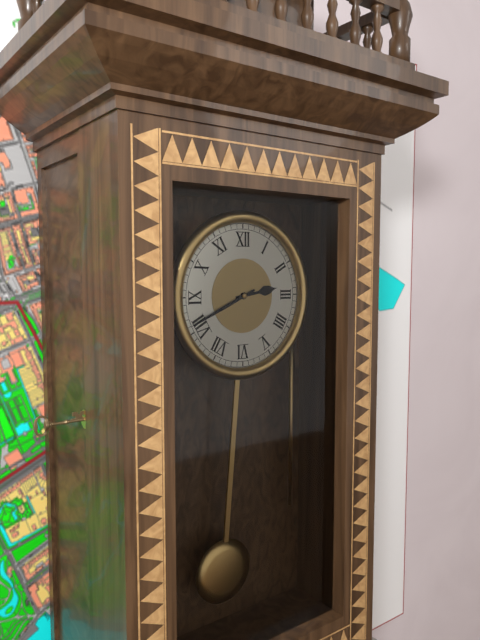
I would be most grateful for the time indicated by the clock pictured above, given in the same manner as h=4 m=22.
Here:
h=2 m=41
